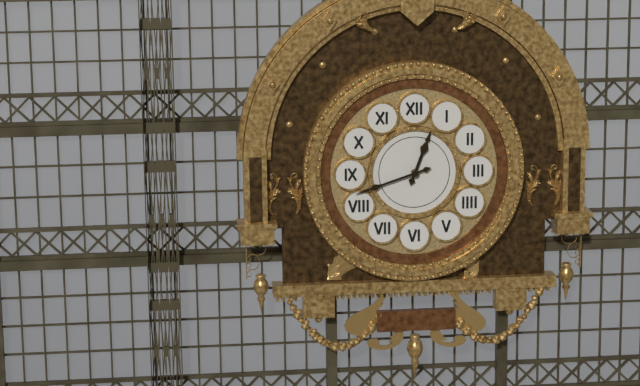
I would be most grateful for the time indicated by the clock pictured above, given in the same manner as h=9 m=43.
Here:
h=12 m=42
